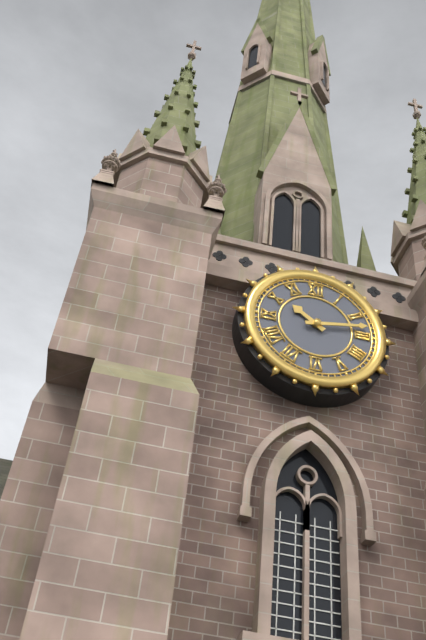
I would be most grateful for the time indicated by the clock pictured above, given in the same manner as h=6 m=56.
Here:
h=10 m=13
